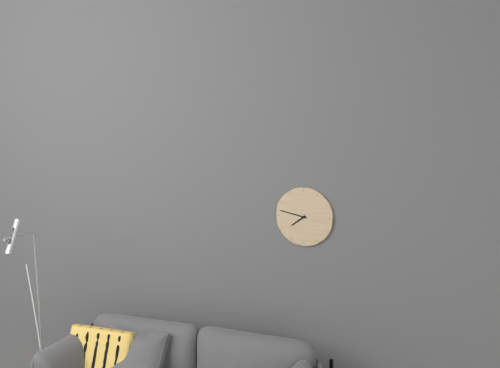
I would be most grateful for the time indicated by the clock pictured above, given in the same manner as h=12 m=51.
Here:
h=7 m=47
